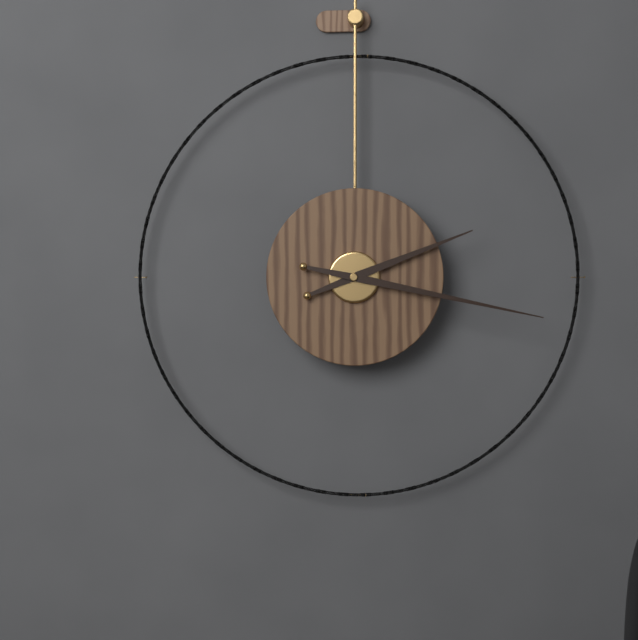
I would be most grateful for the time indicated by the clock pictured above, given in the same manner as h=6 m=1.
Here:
h=2 m=17
